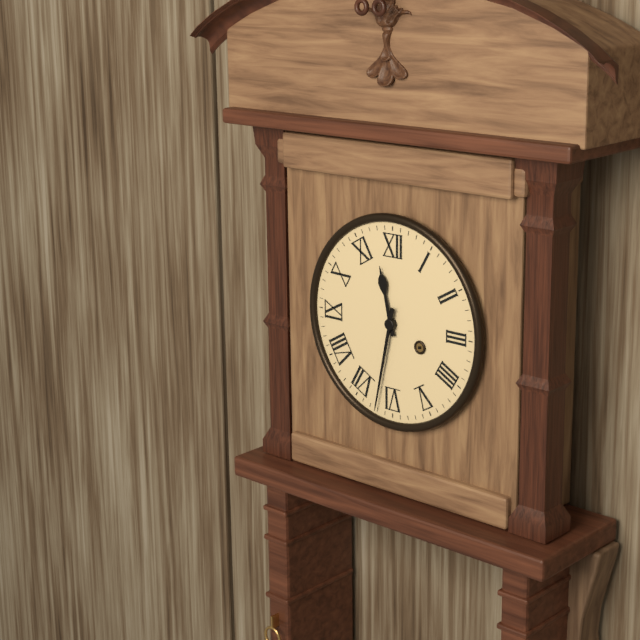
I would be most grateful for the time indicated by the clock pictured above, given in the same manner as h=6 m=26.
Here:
h=11 m=32
